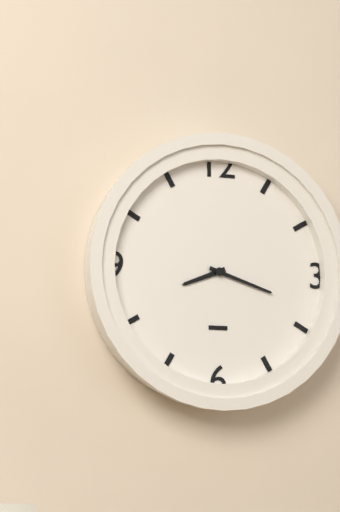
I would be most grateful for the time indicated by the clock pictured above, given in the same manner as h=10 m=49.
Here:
h=8 m=18
